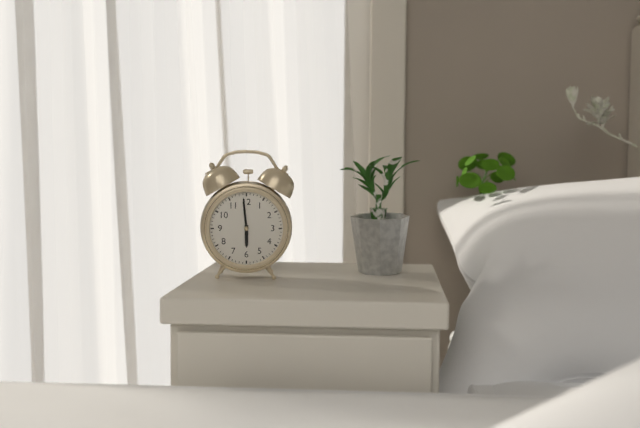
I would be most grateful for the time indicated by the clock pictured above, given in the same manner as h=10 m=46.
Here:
h=5 m=59
